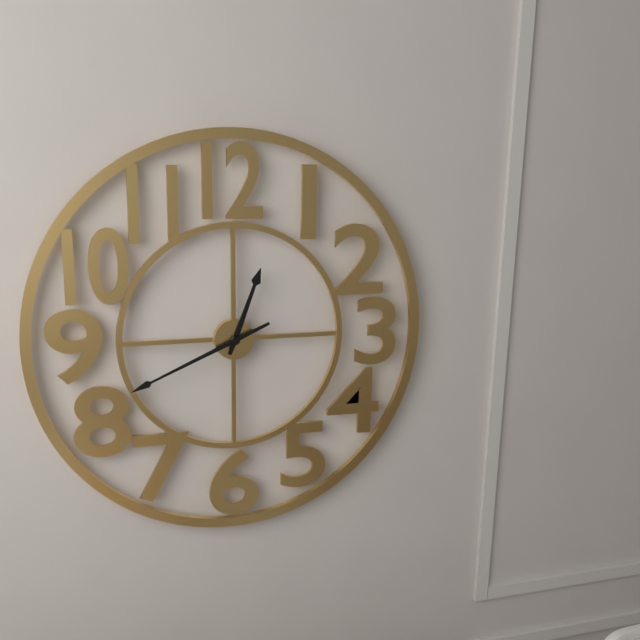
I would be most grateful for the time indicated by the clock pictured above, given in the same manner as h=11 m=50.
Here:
h=12 m=41
